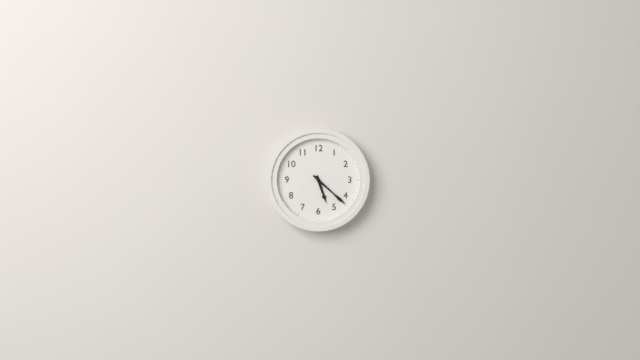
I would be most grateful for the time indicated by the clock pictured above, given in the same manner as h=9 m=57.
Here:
h=5 m=22
